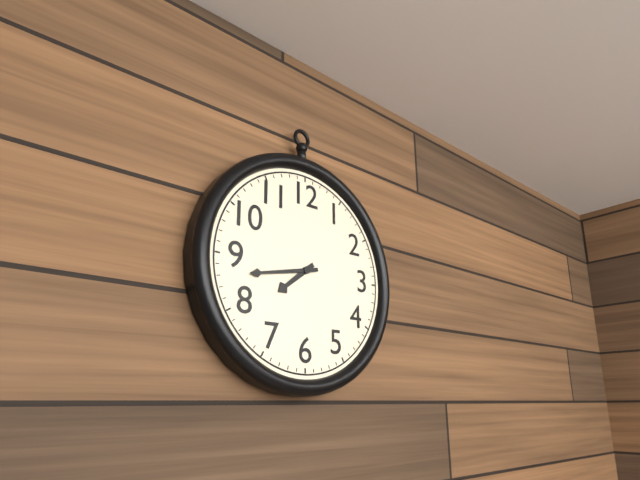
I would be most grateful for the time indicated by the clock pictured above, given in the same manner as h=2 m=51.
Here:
h=7 m=43
